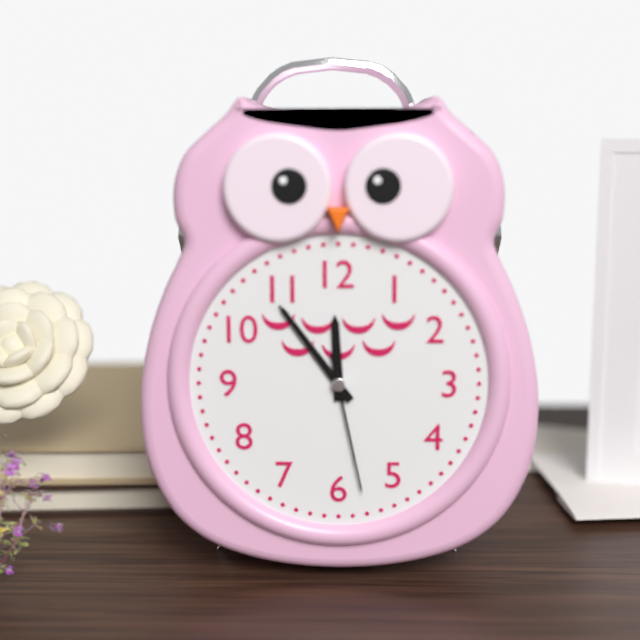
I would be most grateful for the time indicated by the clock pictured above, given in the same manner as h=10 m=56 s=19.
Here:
h=11 m=54 s=28
